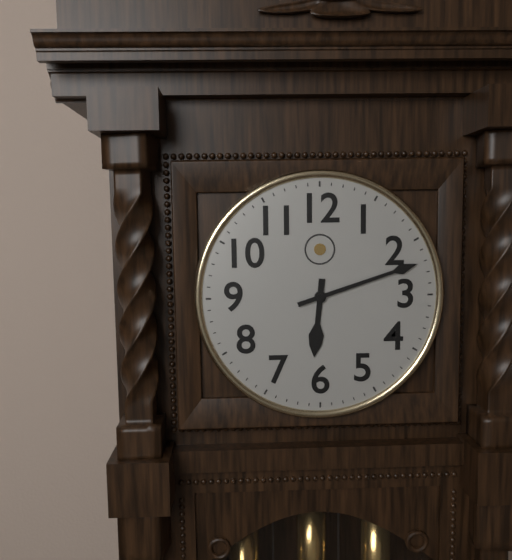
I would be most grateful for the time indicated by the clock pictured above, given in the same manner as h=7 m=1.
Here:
h=6 m=12
